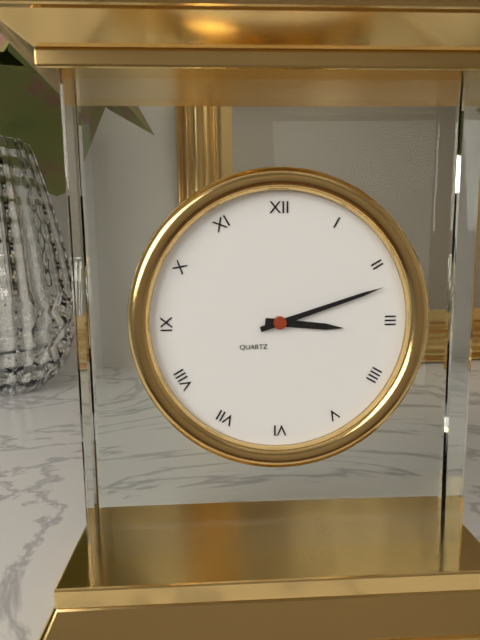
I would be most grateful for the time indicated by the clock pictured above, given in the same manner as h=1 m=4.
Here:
h=3 m=12
